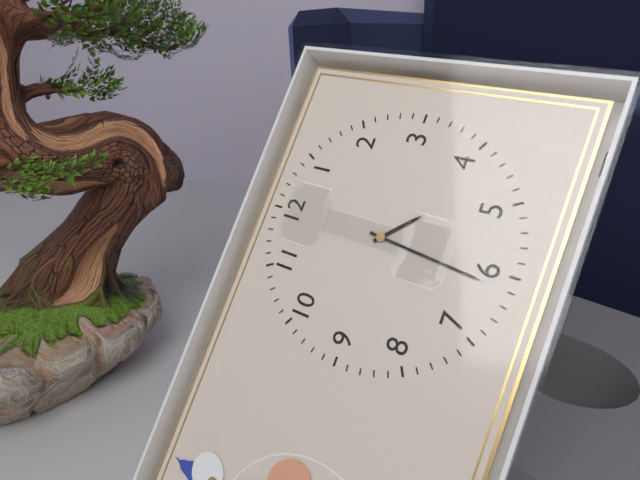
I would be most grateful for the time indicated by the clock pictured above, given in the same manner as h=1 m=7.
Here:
h=4 m=31
